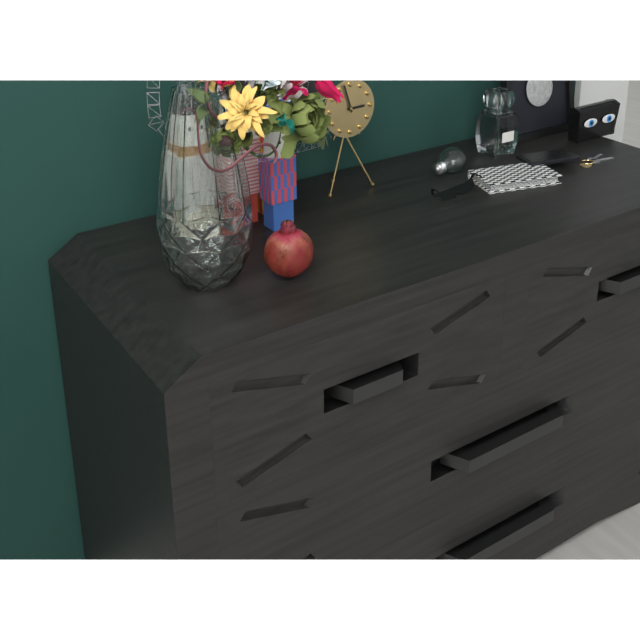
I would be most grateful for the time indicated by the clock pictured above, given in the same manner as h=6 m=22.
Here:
h=2 m=57
